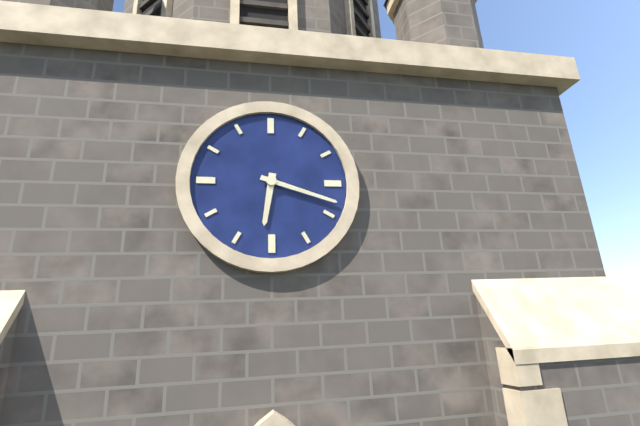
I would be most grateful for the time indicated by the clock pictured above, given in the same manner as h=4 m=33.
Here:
h=6 m=18
